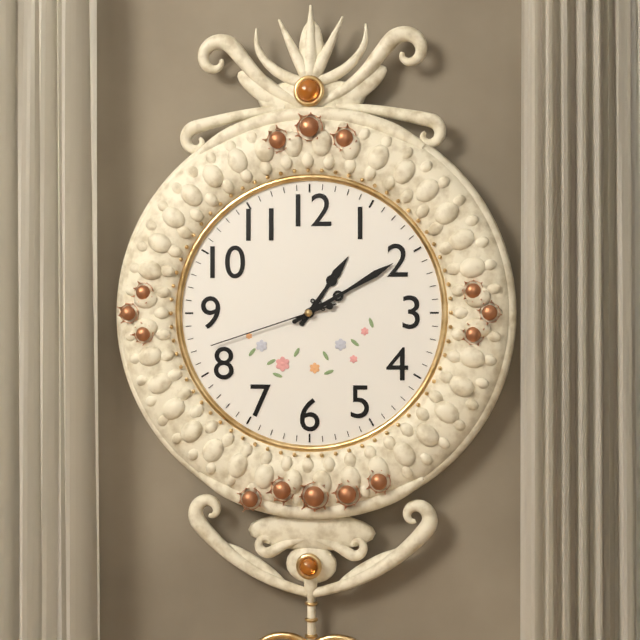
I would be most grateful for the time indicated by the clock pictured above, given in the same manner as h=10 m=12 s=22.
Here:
h=1 m=10 s=42
